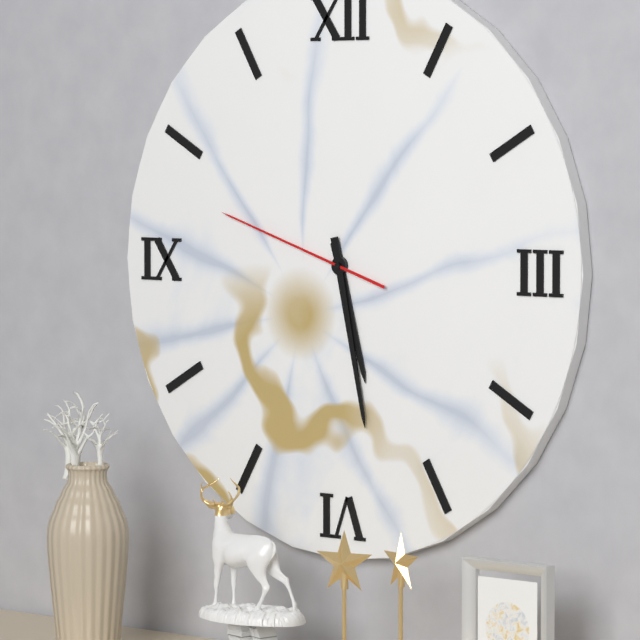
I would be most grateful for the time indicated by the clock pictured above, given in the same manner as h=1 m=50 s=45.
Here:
h=5 m=28 s=48
